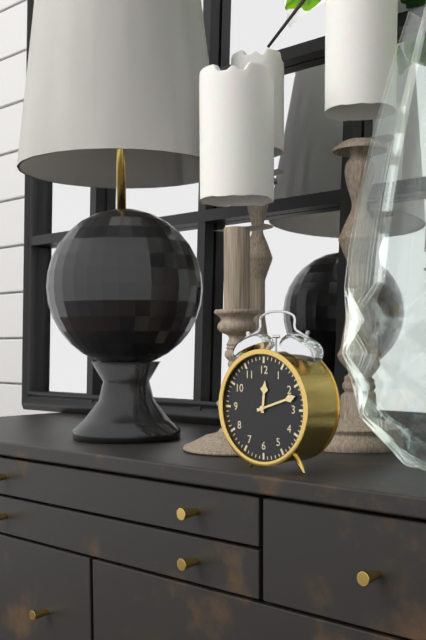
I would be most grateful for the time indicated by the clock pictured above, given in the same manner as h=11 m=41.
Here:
h=12 m=12
